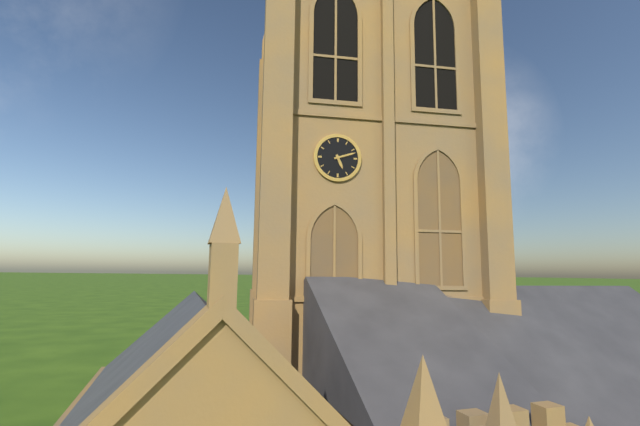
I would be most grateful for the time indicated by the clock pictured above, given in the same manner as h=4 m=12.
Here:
h=5 m=12
